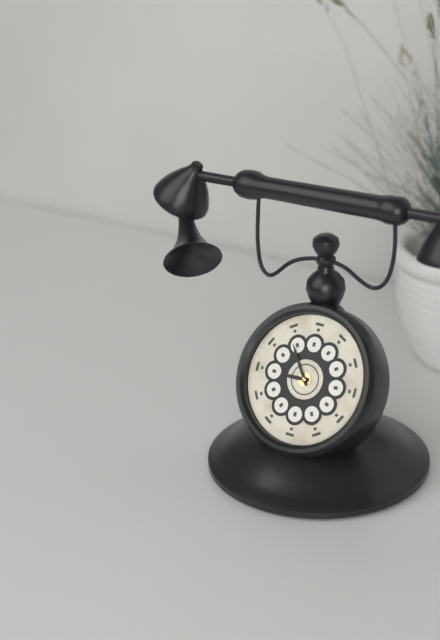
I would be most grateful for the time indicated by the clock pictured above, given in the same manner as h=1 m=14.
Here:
h=8 m=54
